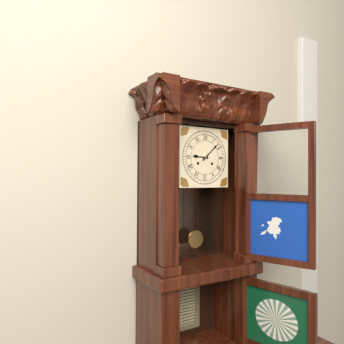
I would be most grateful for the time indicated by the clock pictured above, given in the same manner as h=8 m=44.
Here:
h=9 m=8
